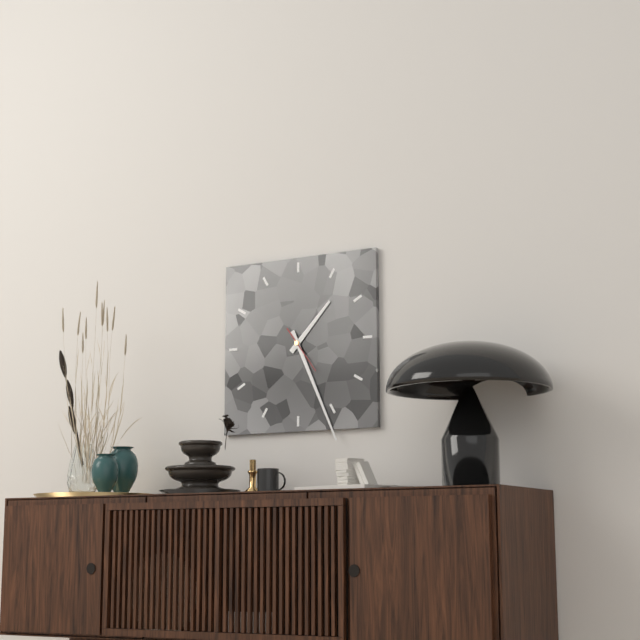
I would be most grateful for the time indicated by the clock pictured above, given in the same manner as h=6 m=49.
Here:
h=1 m=26
